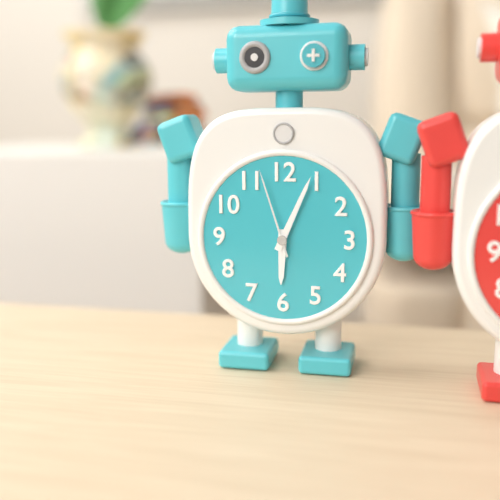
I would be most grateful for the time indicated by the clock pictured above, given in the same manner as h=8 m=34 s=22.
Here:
h=6 m=4 s=57
